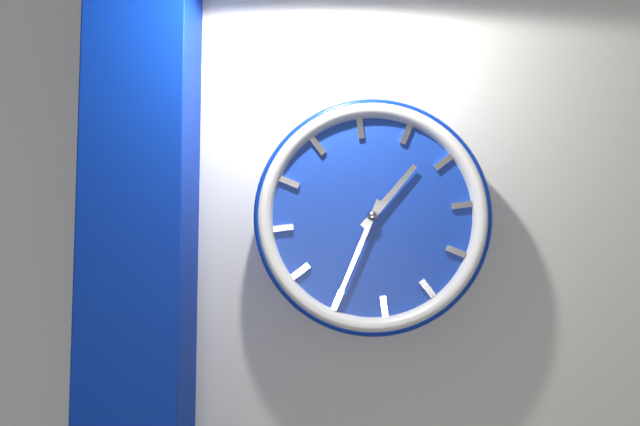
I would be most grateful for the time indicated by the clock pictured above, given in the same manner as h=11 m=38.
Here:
h=1 m=35
